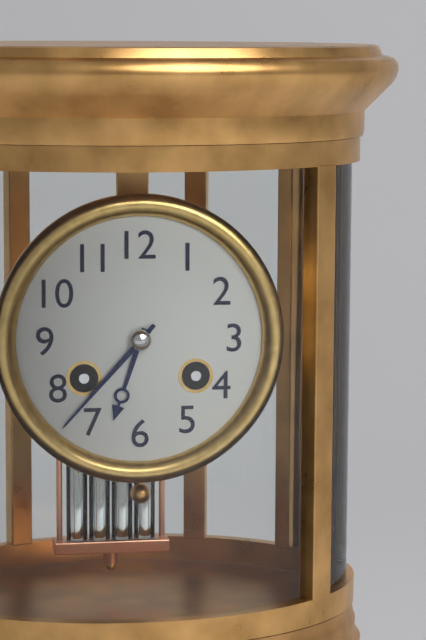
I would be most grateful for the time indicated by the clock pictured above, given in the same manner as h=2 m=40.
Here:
h=6 m=37
